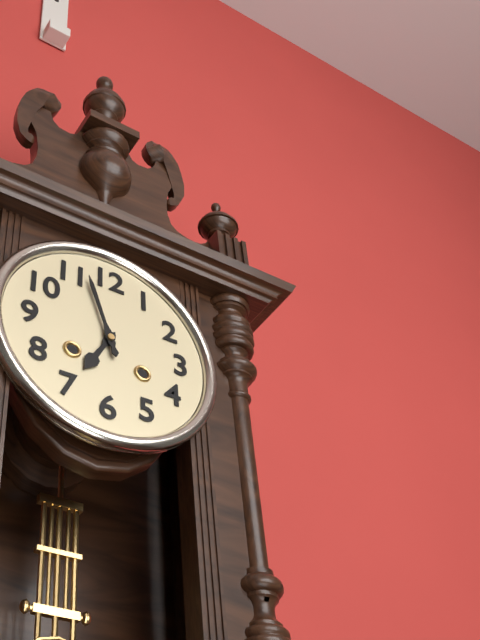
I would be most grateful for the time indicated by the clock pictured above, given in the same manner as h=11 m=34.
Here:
h=6 m=57
